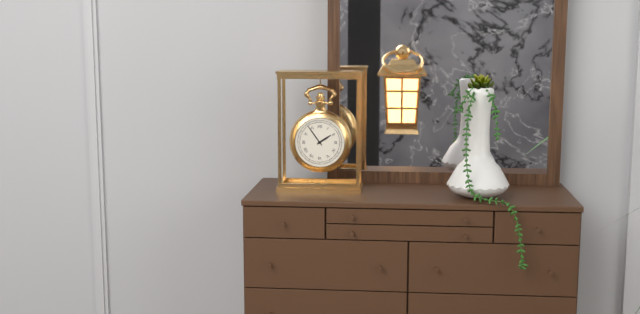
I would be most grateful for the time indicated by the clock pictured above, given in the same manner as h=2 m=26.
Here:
h=1 m=54
